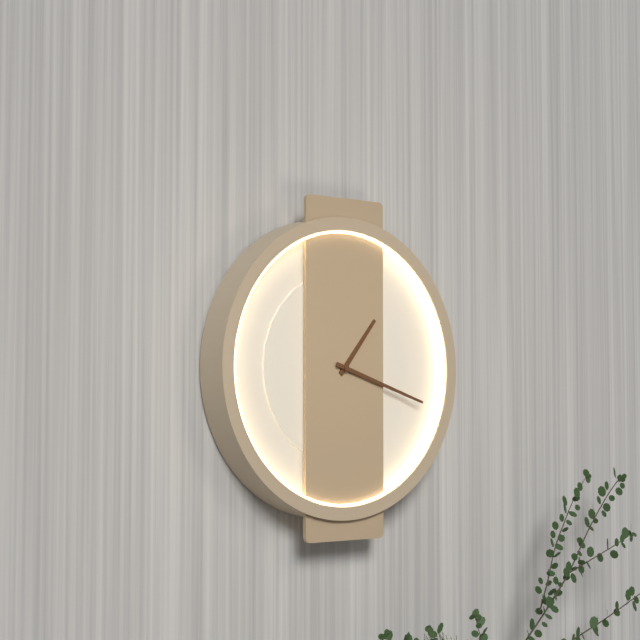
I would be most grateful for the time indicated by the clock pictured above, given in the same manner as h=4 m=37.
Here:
h=1 m=18
